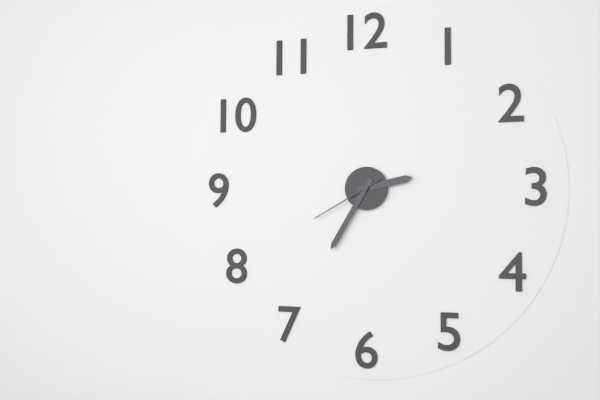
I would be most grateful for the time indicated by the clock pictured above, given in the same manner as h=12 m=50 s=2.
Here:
h=2 m=35 s=40
